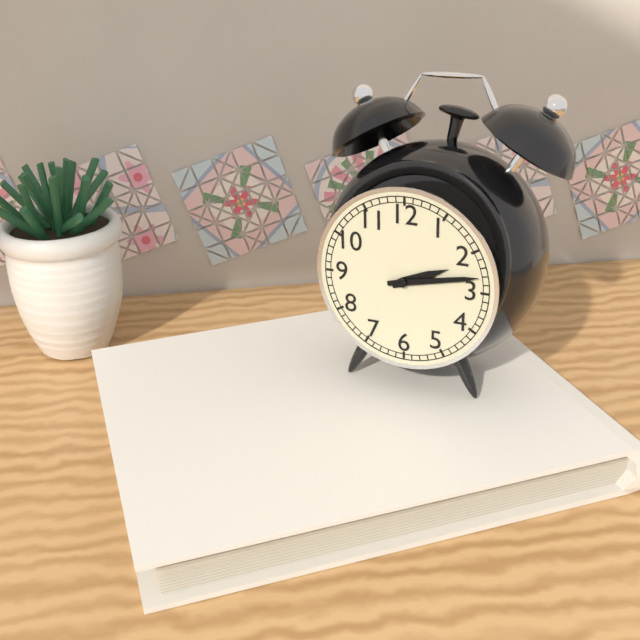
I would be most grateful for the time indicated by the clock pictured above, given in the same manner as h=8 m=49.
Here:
h=2 m=13
